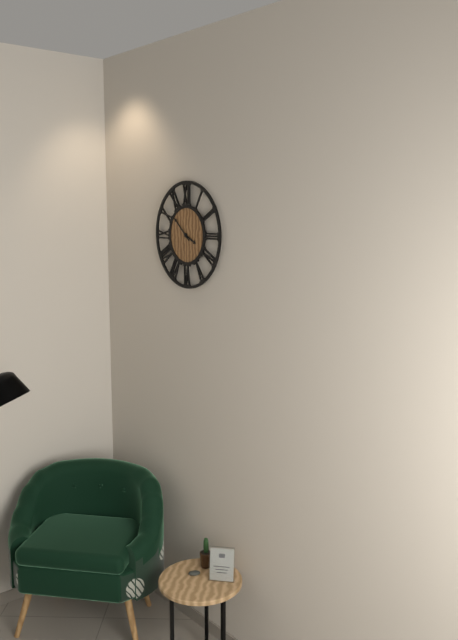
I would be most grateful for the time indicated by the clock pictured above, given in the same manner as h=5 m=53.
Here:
h=3 m=52
